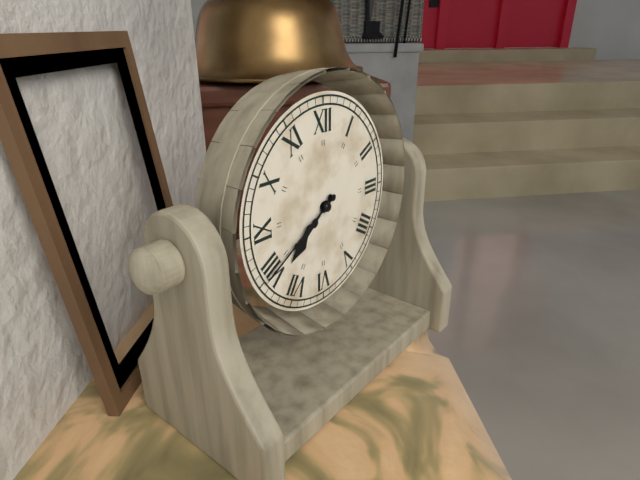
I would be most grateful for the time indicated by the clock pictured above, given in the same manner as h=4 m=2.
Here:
h=7 m=40
